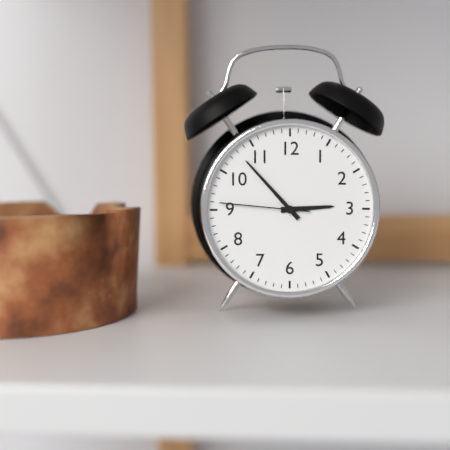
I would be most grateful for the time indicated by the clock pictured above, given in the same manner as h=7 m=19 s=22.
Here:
h=2 m=53 s=46
